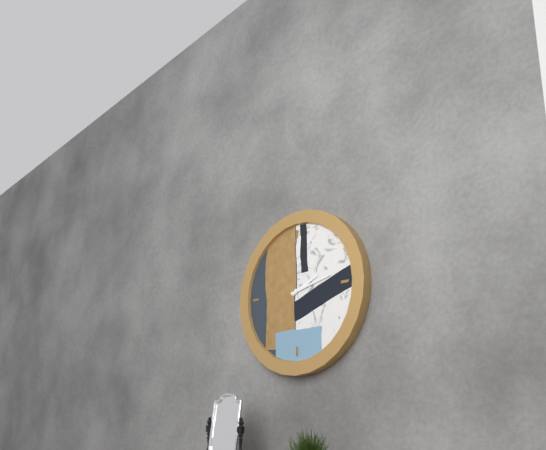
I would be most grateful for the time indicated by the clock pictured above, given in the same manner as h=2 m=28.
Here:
h=2 m=13
